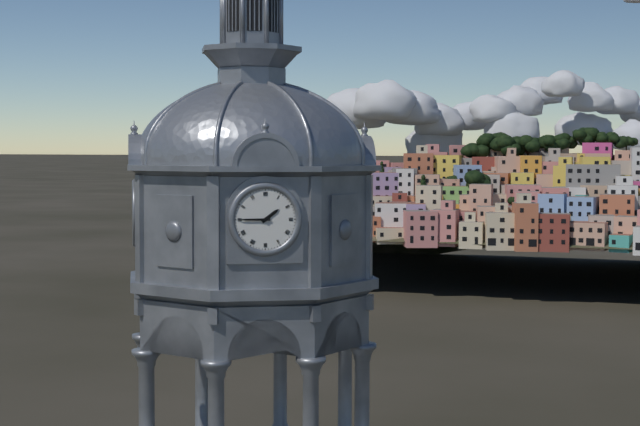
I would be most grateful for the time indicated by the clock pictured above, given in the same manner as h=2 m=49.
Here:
h=1 m=45
